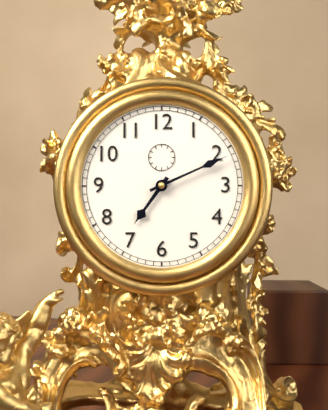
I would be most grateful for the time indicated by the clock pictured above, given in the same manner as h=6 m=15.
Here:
h=7 m=11
